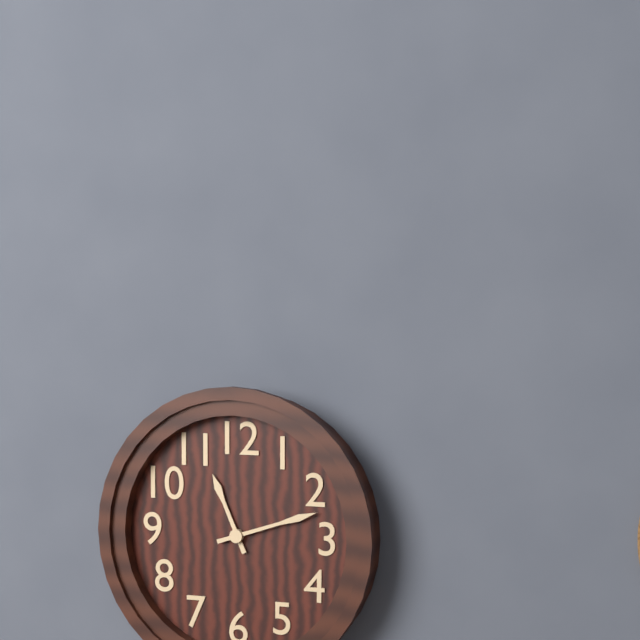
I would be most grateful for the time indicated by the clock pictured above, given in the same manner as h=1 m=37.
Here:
h=11 m=12
